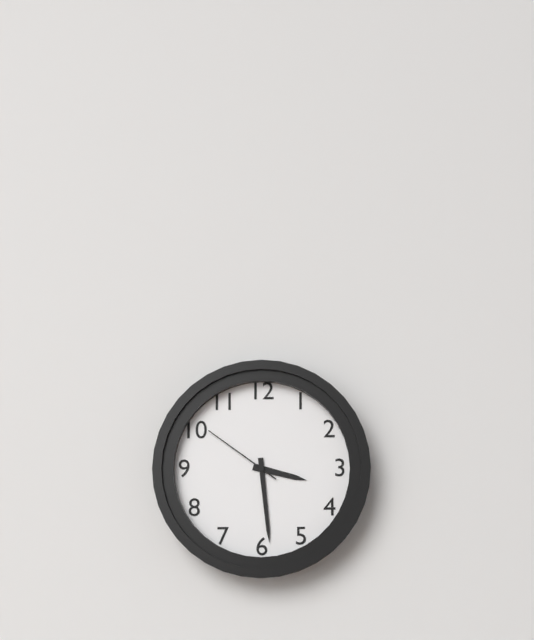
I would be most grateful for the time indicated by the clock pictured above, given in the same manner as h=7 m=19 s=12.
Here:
h=3 m=29 s=51
